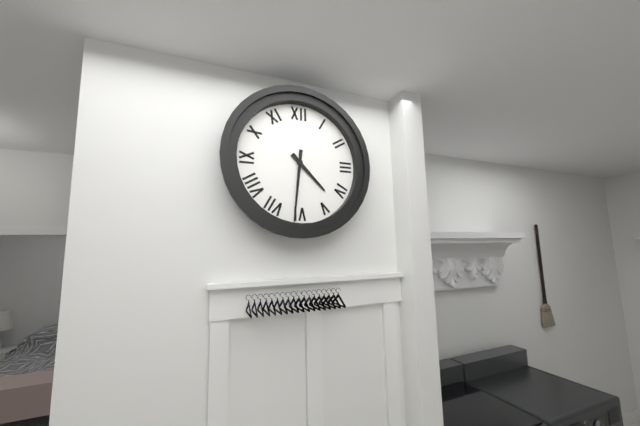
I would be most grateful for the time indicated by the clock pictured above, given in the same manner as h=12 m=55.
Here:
h=4 m=31
